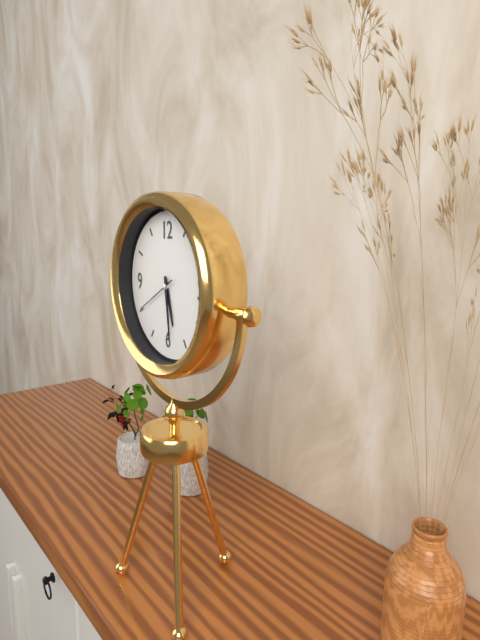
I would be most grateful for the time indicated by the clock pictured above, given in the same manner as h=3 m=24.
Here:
h=5 m=29
